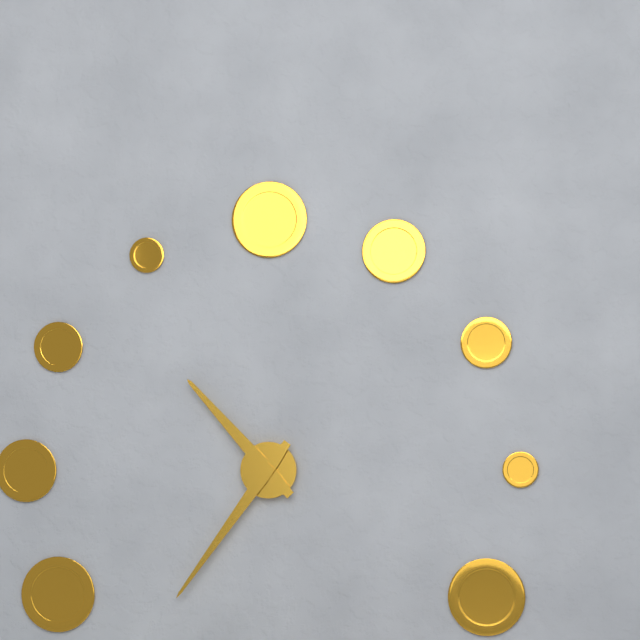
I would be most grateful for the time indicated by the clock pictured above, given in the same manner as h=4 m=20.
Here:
h=10 m=36
